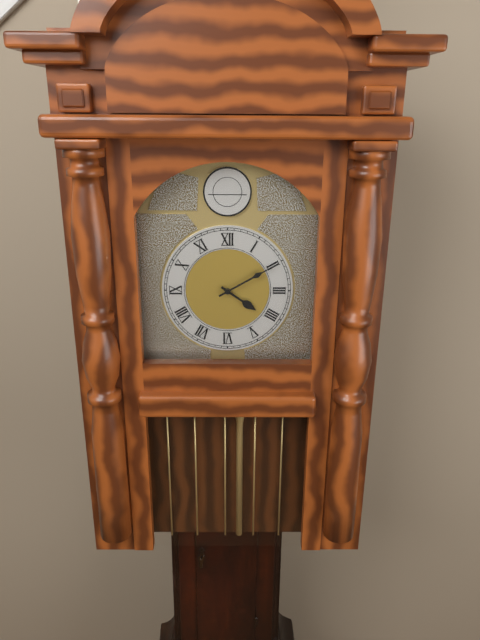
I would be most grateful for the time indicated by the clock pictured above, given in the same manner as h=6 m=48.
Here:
h=4 m=10
